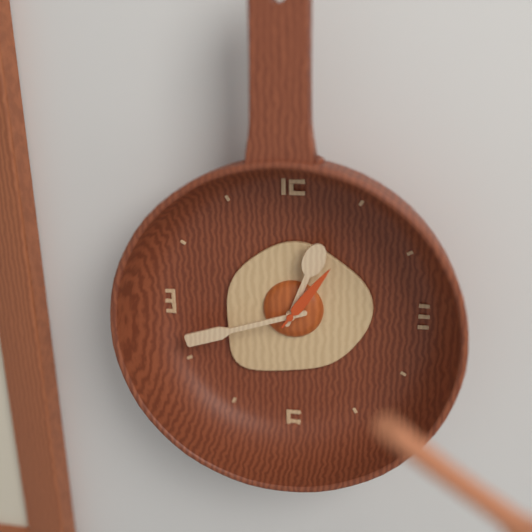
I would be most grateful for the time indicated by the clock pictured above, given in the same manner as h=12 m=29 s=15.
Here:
h=12 m=42 s=6
